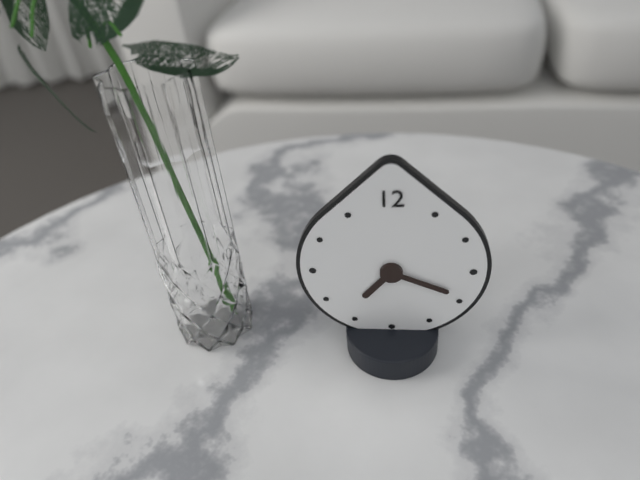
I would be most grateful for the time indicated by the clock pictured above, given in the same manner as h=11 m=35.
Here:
h=7 m=19
